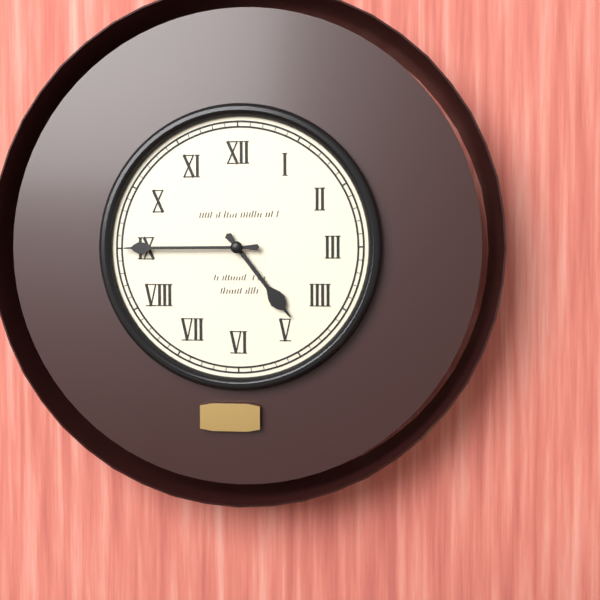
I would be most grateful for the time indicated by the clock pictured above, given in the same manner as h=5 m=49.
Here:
h=4 m=45
